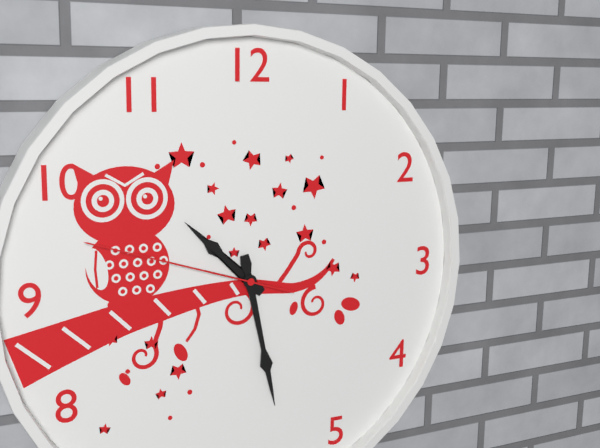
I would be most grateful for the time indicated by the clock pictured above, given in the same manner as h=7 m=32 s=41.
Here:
h=10 m=28 s=48
